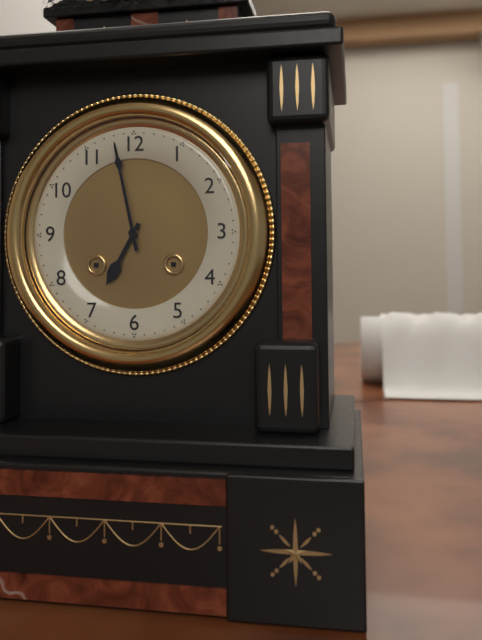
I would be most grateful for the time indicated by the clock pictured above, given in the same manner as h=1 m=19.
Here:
h=6 m=58
